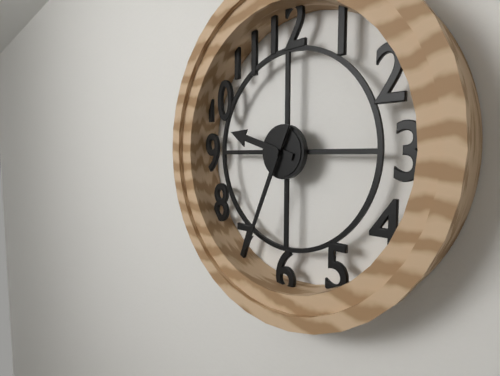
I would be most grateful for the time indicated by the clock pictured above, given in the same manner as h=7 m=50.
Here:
h=9 m=34
